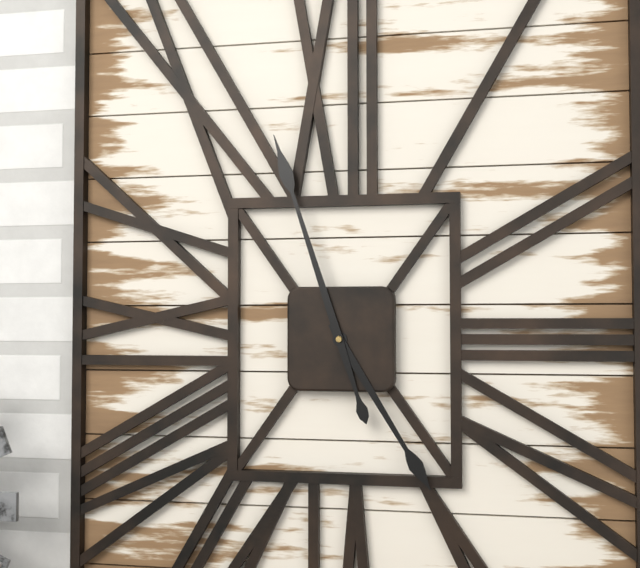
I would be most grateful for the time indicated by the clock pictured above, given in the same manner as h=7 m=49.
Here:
h=4 m=57
